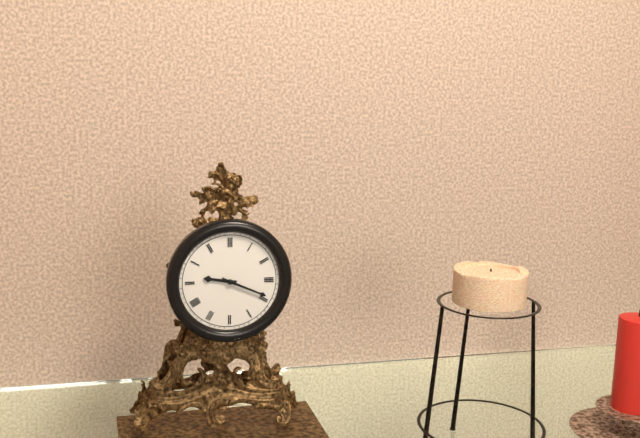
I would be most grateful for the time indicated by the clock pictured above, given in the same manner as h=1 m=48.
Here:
h=9 m=19
